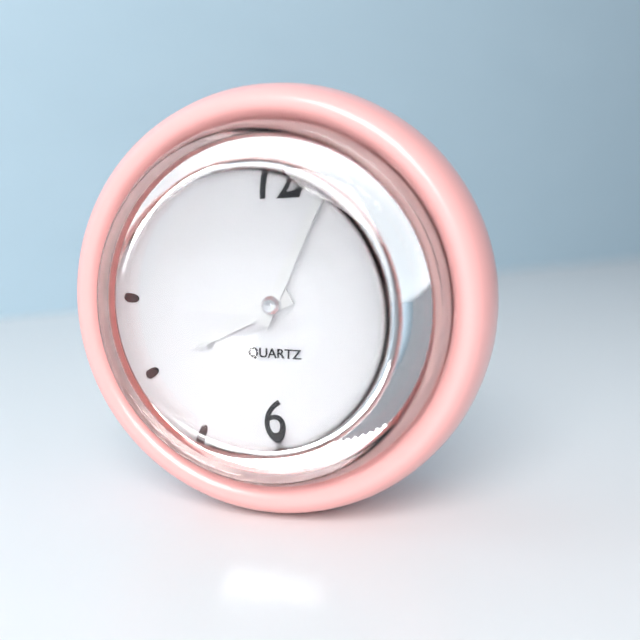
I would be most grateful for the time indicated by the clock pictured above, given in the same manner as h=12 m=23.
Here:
h=8 m=4
